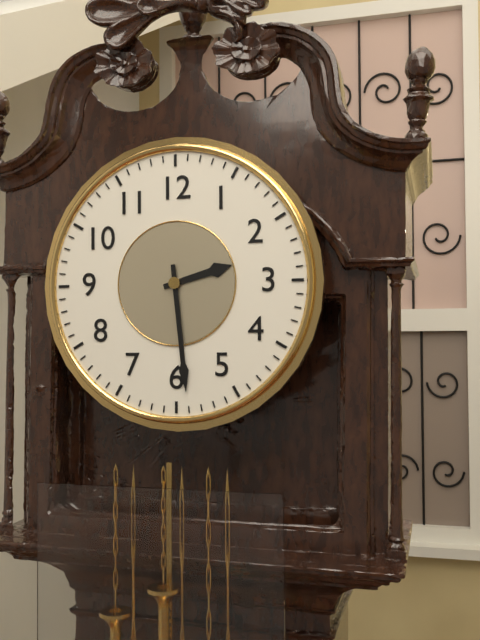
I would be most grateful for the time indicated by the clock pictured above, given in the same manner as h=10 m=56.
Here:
h=2 m=29
